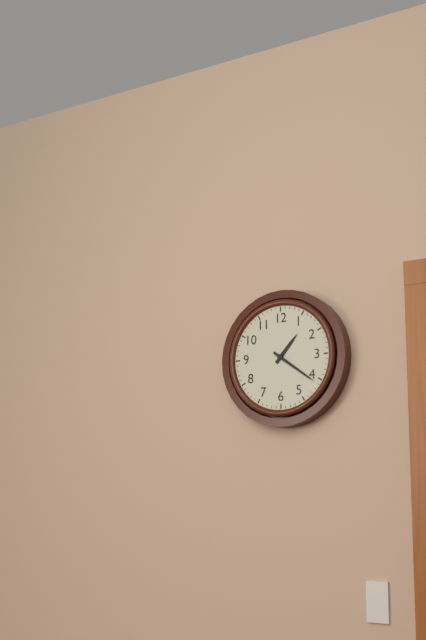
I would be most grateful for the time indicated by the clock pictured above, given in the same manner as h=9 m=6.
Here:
h=1 m=21
